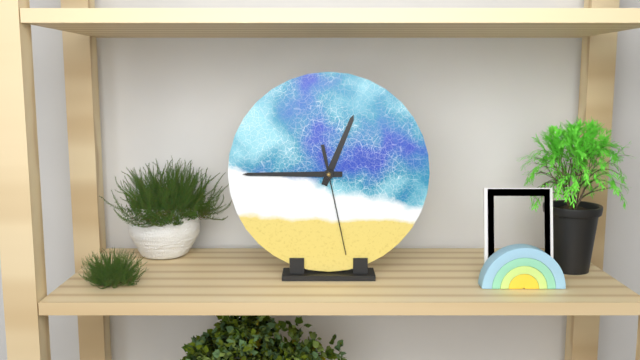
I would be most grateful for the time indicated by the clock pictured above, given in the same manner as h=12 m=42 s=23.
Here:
h=12 m=45 s=28
